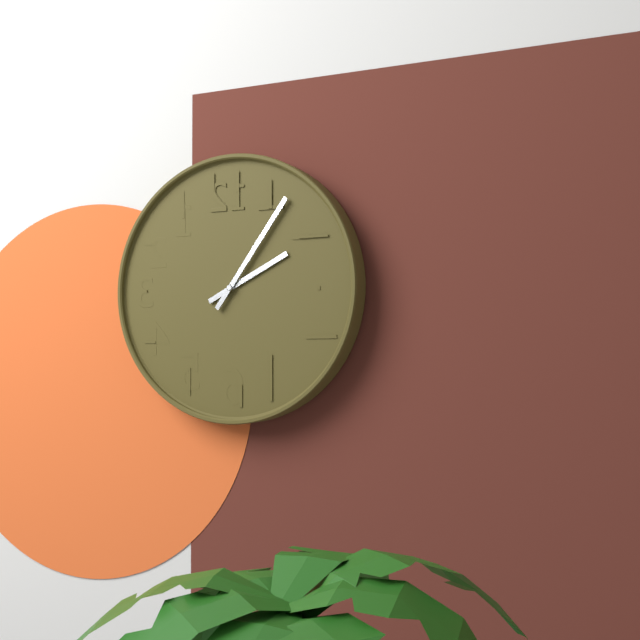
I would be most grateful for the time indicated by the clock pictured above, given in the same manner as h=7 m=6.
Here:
h=2 m=6
